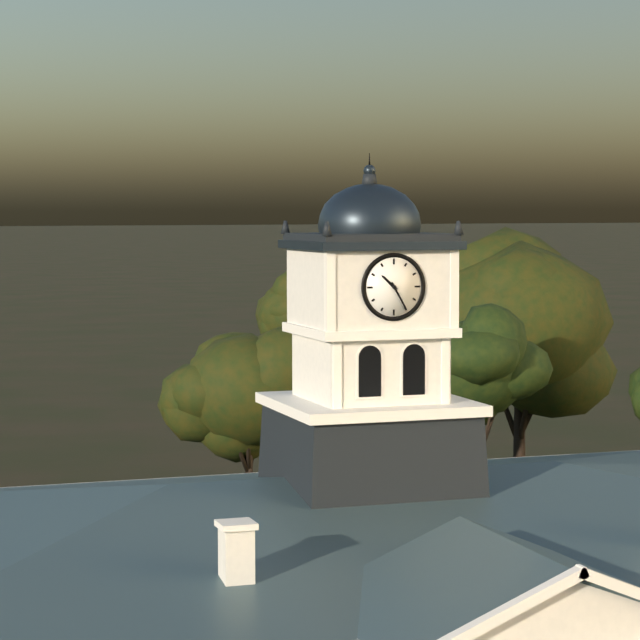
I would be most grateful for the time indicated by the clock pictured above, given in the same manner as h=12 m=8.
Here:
h=10 m=25
